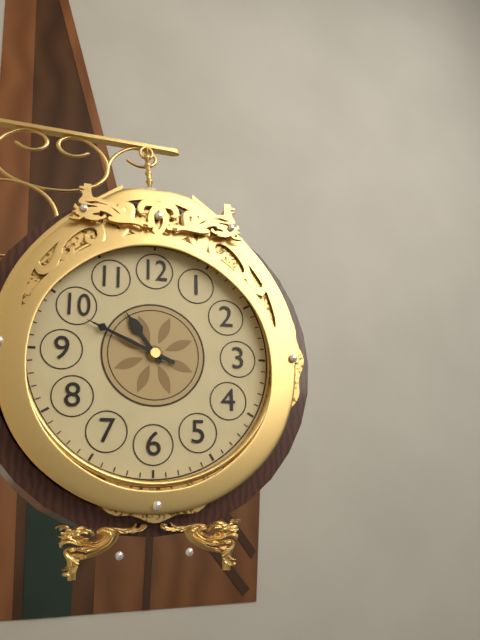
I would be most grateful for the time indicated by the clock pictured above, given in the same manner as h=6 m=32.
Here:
h=10 m=49
